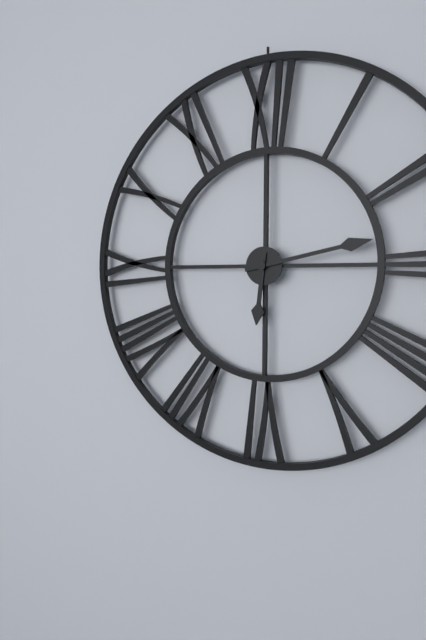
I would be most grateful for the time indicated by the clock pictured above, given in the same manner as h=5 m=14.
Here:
h=6 m=13
